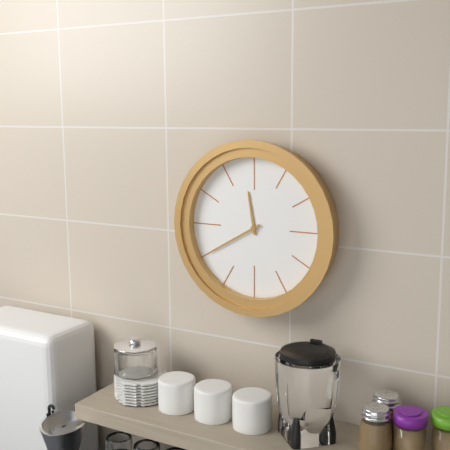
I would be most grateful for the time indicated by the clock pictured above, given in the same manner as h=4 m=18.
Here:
h=11 m=40
